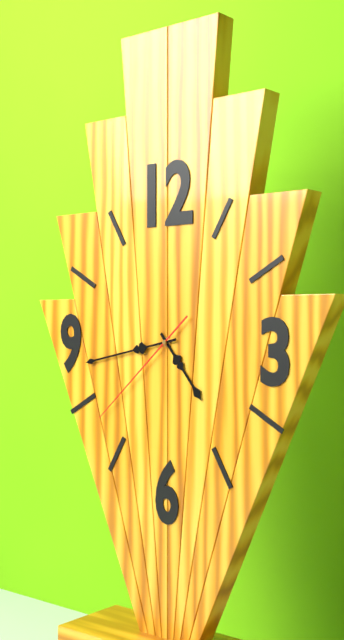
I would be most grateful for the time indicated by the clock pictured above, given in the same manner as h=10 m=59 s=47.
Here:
h=4 m=43 s=38
